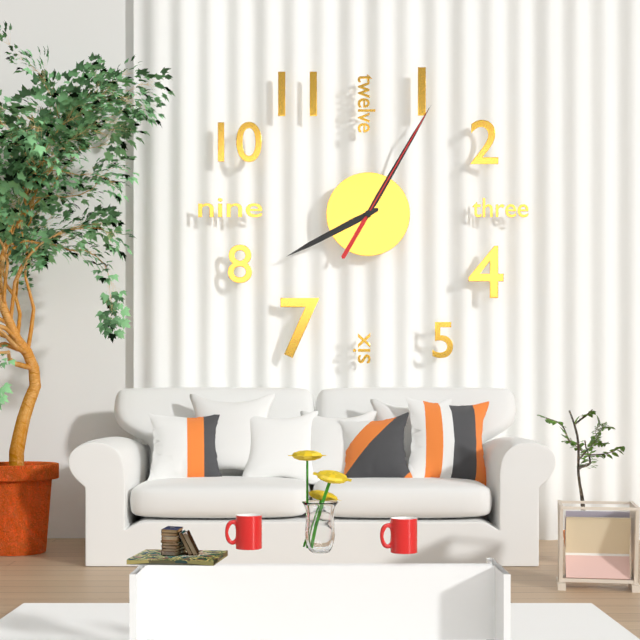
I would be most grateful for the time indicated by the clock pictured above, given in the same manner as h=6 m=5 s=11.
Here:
h=8 m=5 s=5
